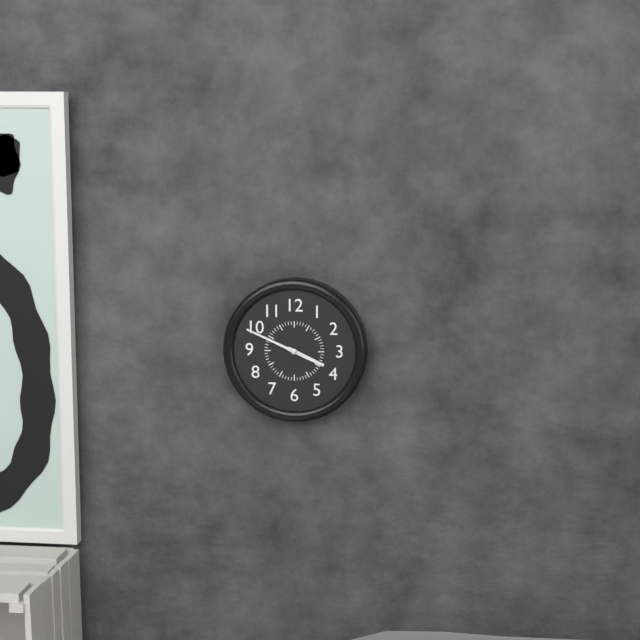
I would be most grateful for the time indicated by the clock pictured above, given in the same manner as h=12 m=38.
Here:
h=3 m=49
